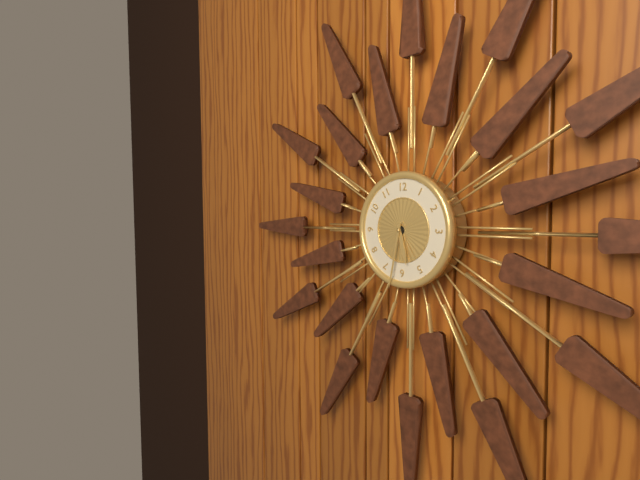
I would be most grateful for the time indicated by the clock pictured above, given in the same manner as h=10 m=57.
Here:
h=5 m=32
